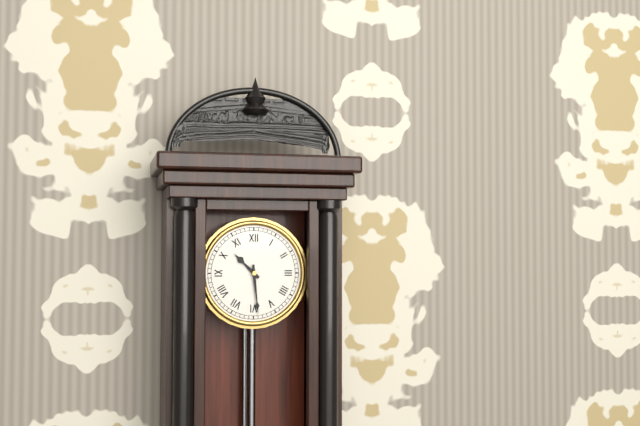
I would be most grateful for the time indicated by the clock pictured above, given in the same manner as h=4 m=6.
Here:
h=10 m=29
